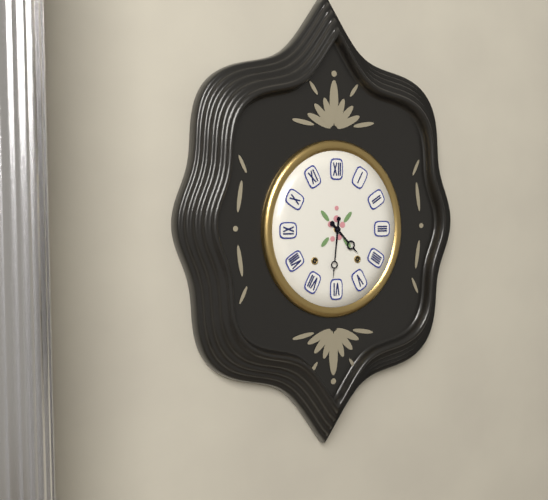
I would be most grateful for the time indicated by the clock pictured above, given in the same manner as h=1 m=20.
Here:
h=4 m=31
